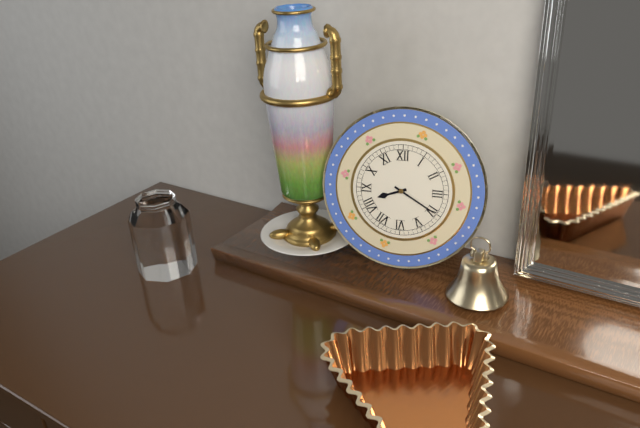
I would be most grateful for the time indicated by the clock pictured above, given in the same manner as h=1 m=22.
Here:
h=8 m=20
